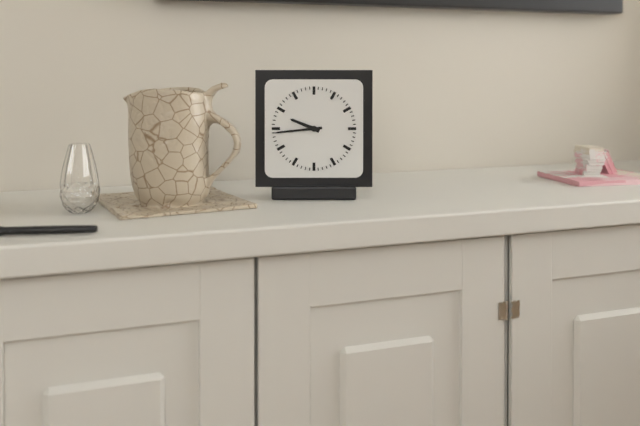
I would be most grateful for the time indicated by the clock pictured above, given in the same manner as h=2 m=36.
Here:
h=9 m=44
